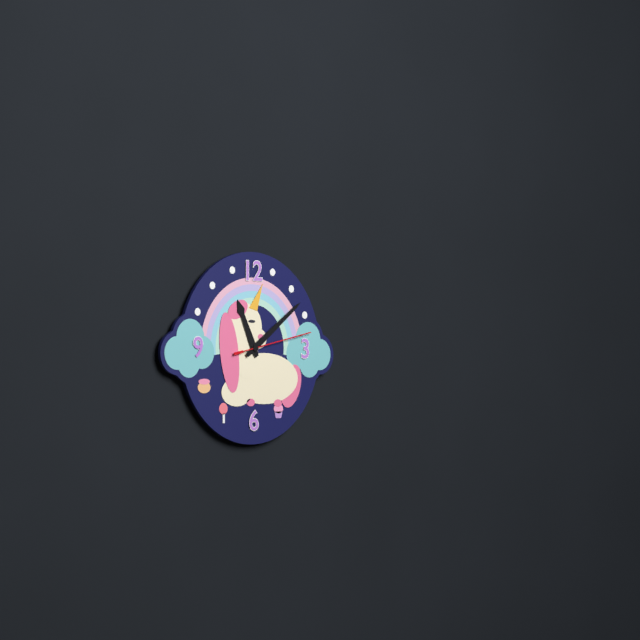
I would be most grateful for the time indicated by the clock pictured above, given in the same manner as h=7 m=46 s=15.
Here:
h=11 m=9 s=13
